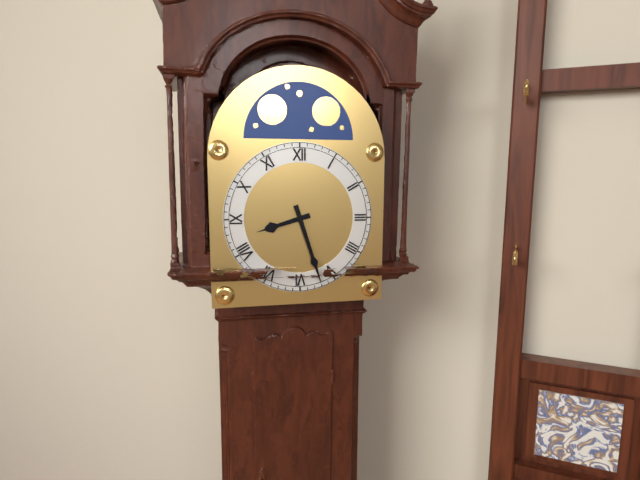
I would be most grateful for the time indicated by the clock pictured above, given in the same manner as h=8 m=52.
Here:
h=8 m=27
